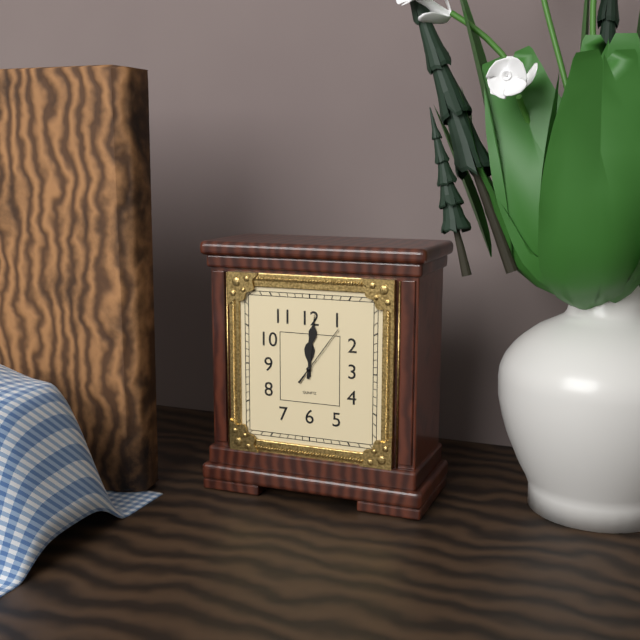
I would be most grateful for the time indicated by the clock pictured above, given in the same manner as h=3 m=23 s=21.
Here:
h=12 m=1 s=6
